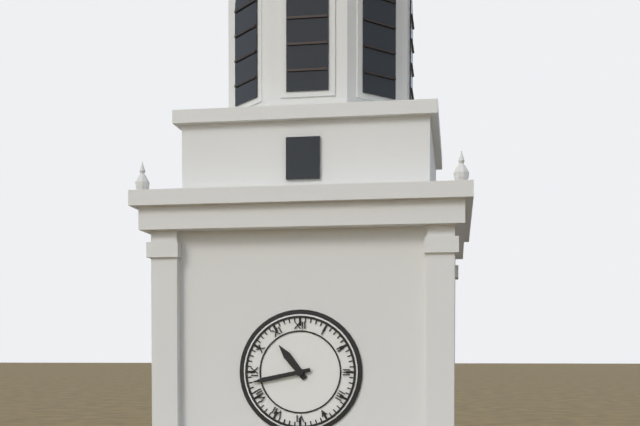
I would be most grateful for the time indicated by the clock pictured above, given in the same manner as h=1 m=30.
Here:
h=10 m=43
